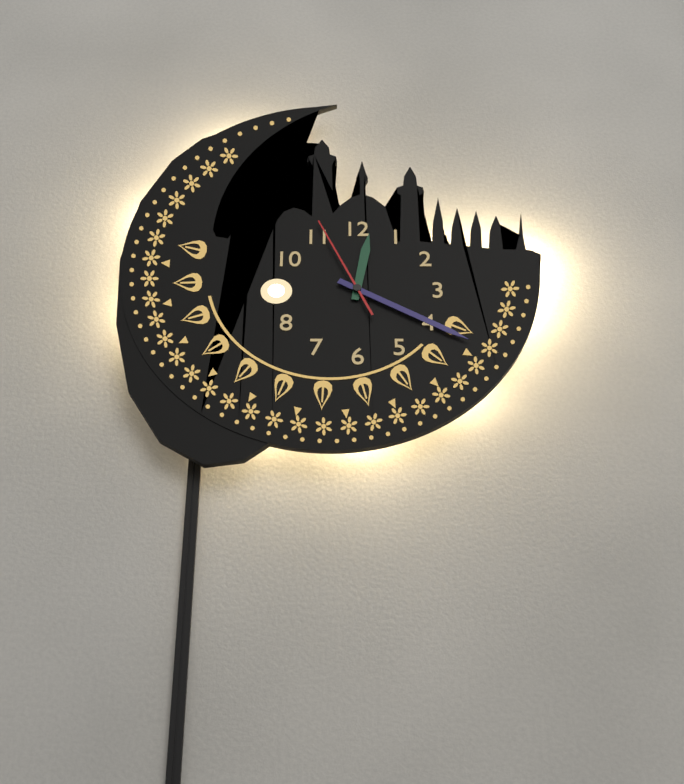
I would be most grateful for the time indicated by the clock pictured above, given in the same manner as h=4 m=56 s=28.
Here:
h=12 m=20 s=56
